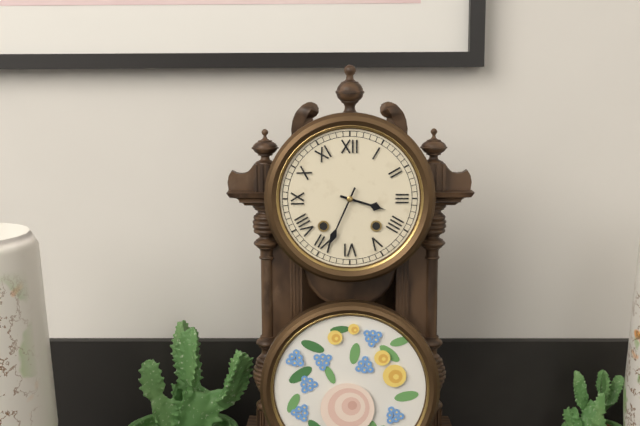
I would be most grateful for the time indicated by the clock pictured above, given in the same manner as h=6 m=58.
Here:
h=3 m=34
